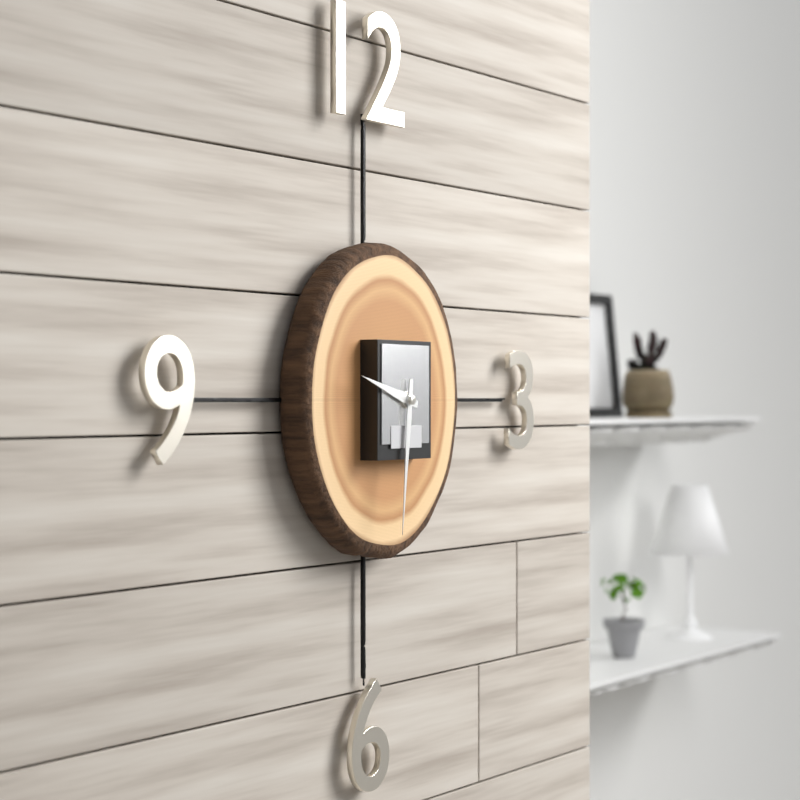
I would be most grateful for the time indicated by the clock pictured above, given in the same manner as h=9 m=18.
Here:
h=9 m=31
